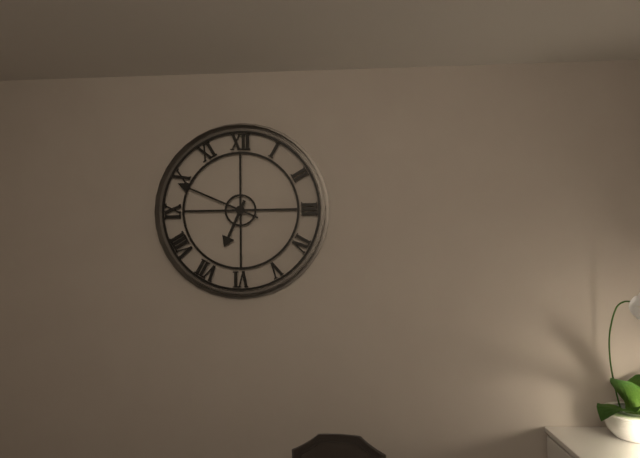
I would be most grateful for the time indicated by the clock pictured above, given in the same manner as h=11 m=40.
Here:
h=6 m=49
